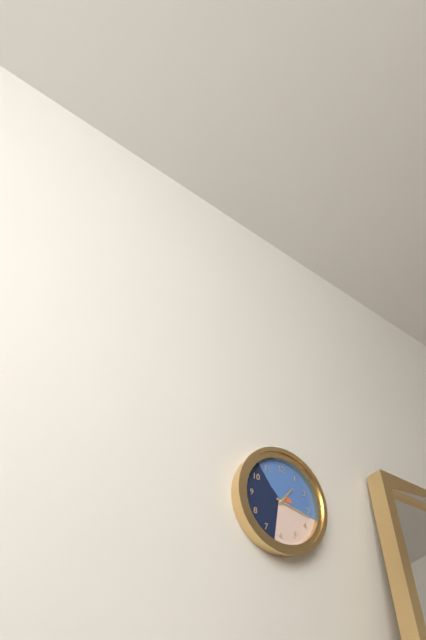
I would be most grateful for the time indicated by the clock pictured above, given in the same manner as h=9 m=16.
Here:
h=1 m=17
